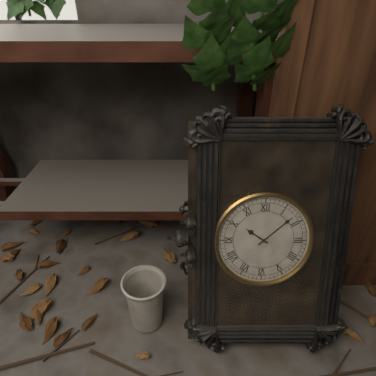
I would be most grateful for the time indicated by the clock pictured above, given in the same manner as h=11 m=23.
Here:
h=10 m=8
